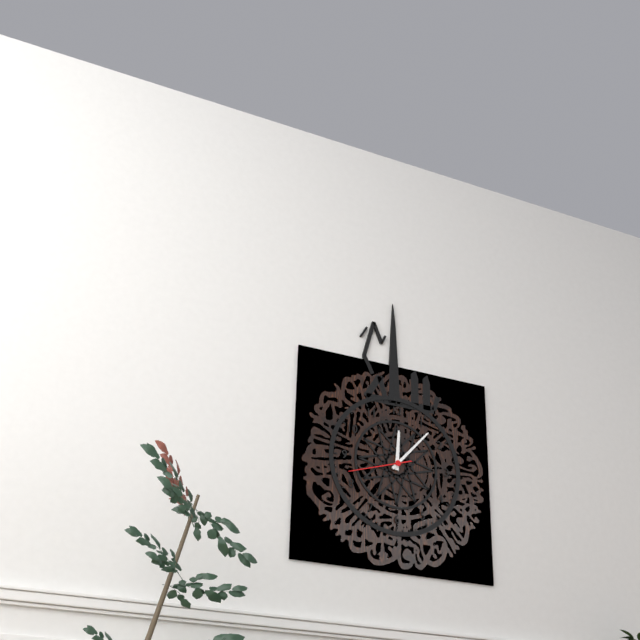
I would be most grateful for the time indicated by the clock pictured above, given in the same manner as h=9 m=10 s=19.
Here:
h=12 m=7 s=42
